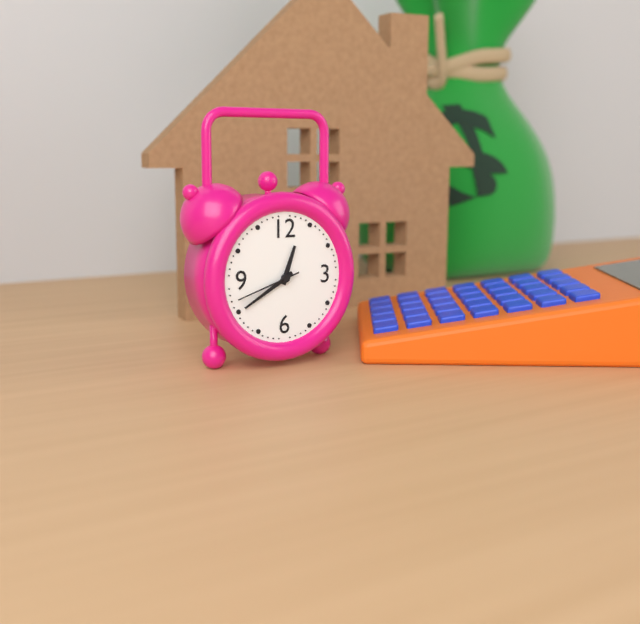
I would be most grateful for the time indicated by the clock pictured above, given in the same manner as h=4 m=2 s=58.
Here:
h=12 m=40 s=42
